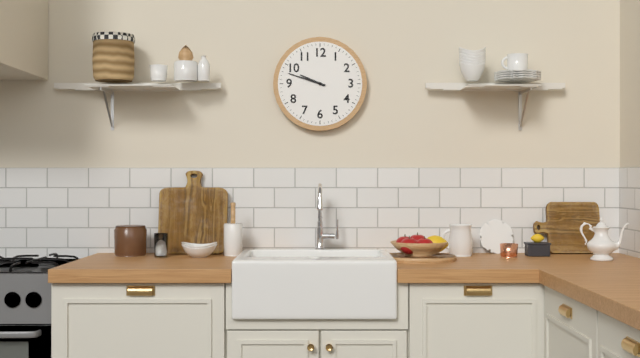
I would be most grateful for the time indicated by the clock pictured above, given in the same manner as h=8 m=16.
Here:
h=9 m=48
